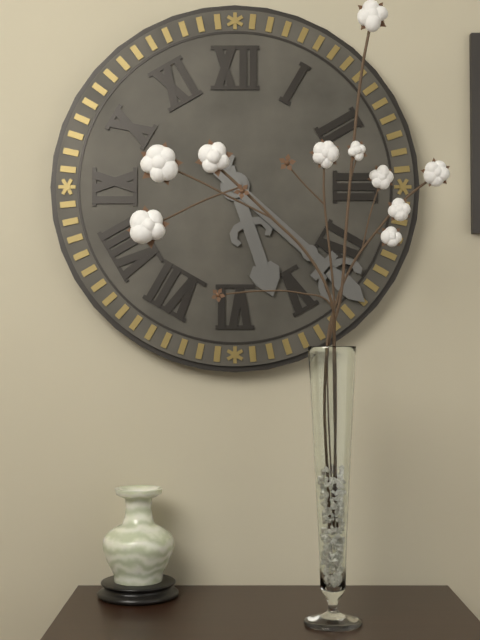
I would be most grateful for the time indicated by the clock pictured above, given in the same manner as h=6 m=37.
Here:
h=5 m=22
